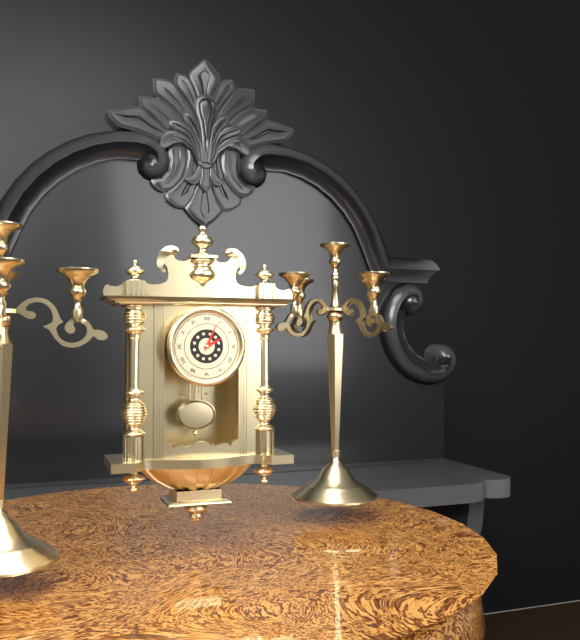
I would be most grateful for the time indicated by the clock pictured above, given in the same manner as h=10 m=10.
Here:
h=2 m=4
